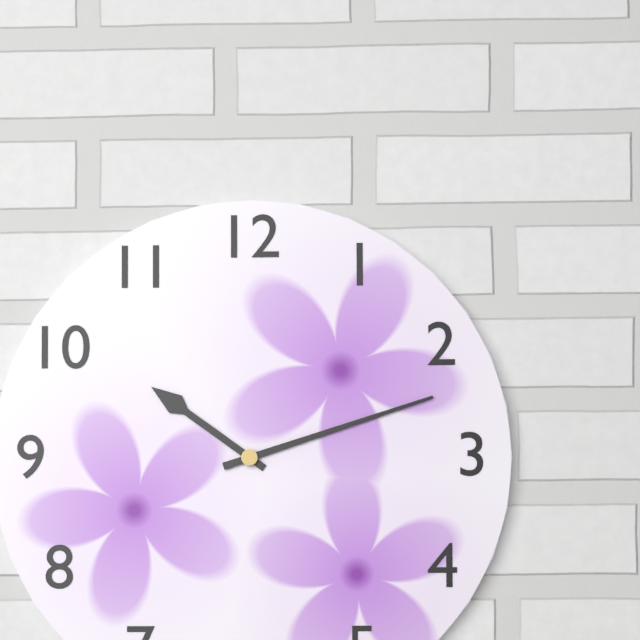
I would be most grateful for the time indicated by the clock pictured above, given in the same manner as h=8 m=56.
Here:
h=10 m=12
